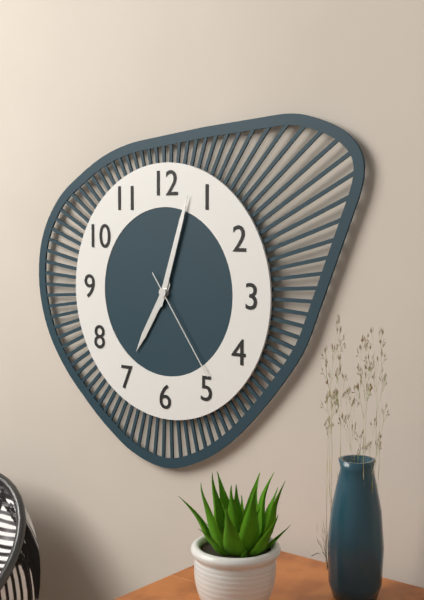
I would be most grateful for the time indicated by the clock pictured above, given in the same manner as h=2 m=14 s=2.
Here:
h=7 m=3 s=24
